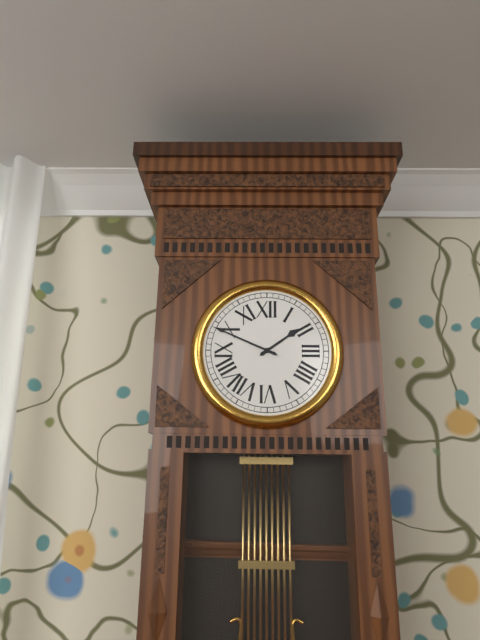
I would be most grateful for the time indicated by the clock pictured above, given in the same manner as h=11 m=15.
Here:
h=1 m=49
